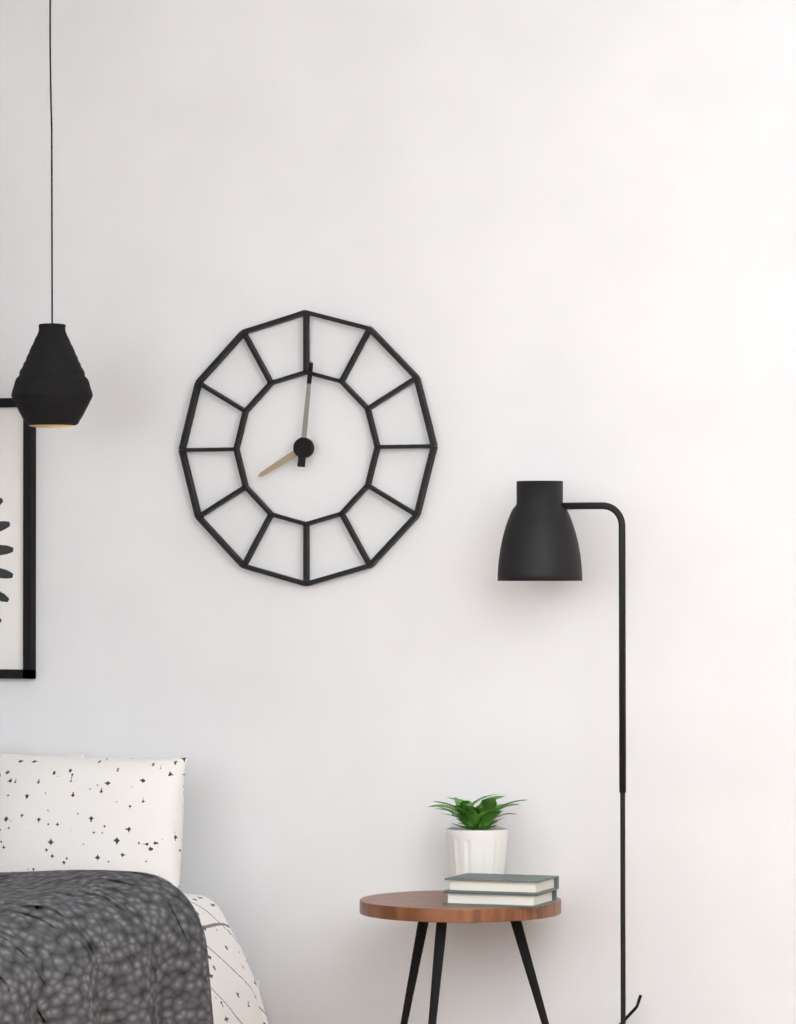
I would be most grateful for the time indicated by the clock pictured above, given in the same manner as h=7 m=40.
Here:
h=8 m=1
